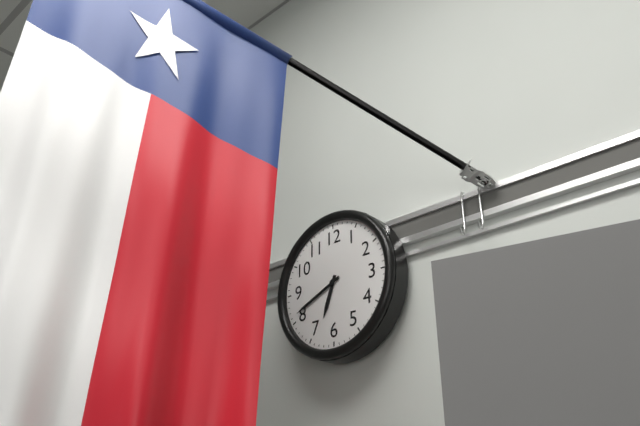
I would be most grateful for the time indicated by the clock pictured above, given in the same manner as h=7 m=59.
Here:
h=6 m=41
